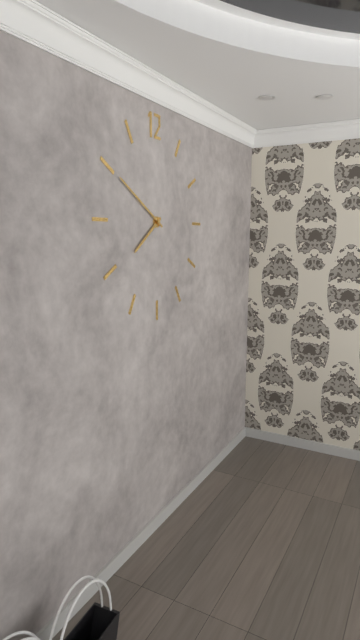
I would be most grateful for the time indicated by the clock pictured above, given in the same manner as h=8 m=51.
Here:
h=7 m=50
